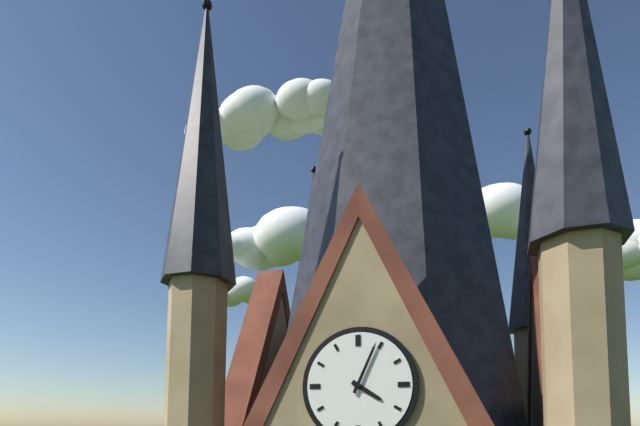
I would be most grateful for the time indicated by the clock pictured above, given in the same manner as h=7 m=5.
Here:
h=4 m=4
